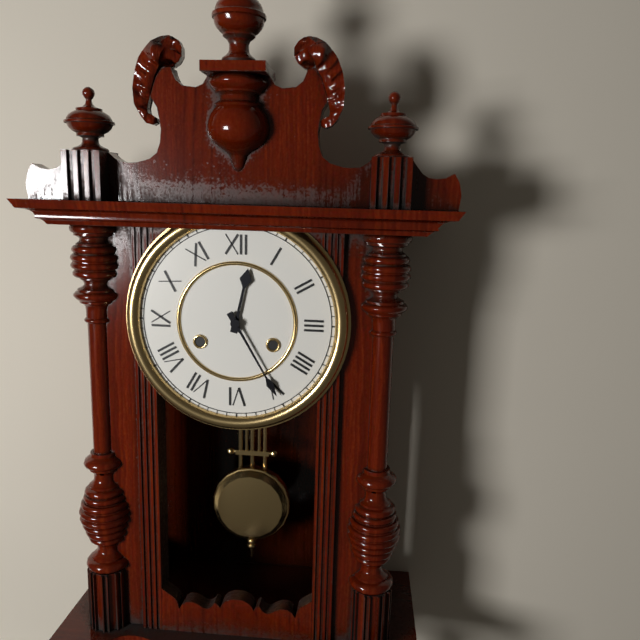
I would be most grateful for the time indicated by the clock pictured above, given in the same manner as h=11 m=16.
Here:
h=12 m=25
